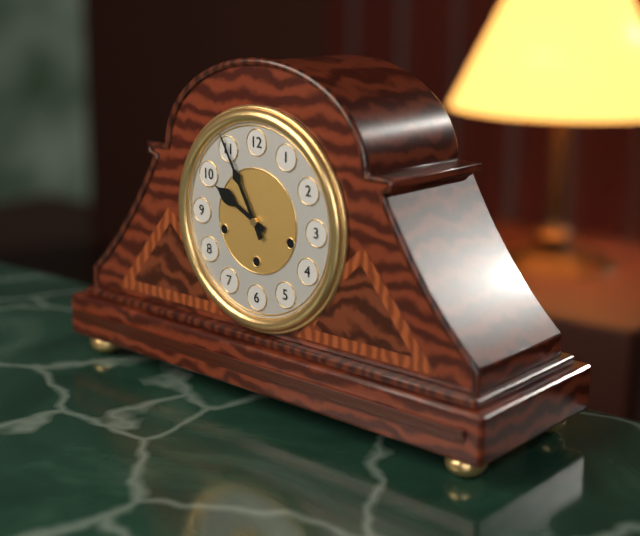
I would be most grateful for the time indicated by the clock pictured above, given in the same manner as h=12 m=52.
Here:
h=9 m=55
